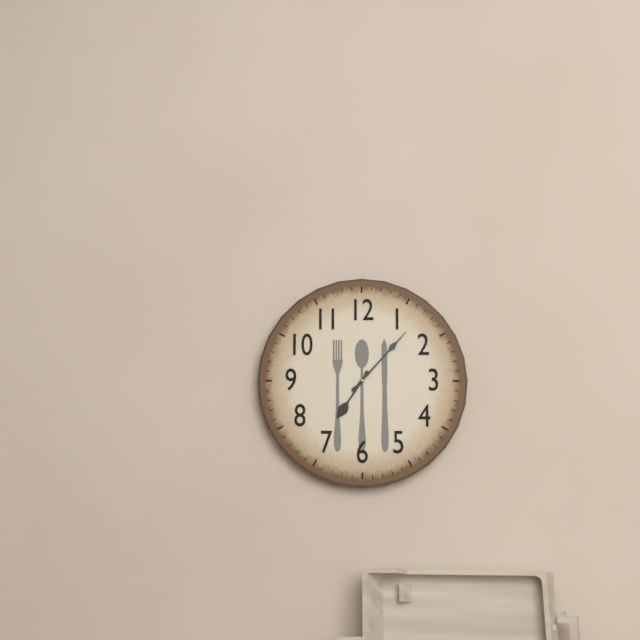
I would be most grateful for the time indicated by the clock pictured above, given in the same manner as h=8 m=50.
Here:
h=7 m=7
